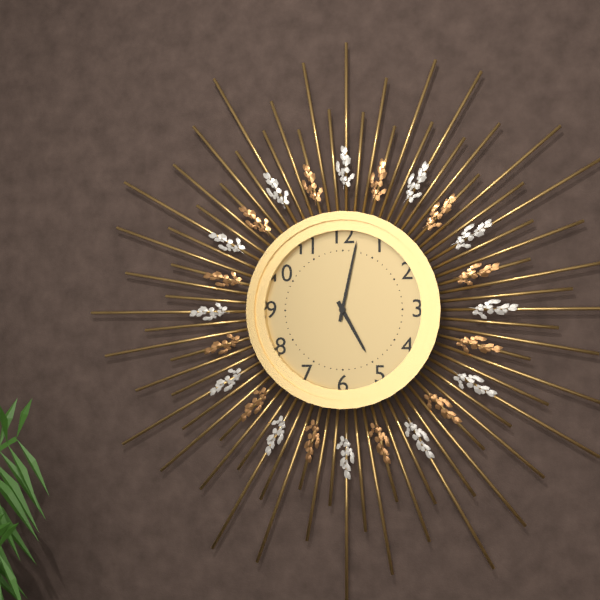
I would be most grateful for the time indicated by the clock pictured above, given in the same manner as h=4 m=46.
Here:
h=5 m=2
